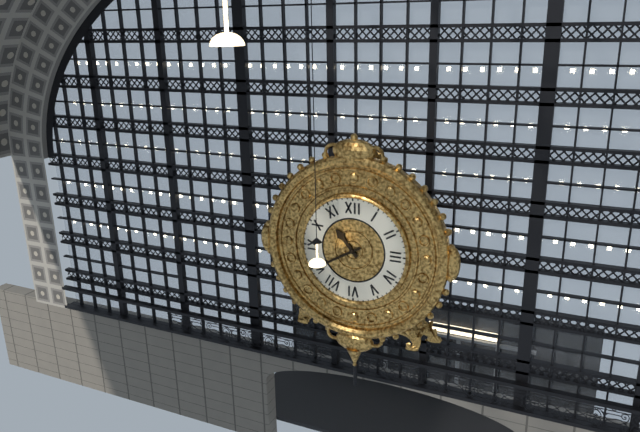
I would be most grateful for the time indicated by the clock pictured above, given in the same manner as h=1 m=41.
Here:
h=10 m=40
